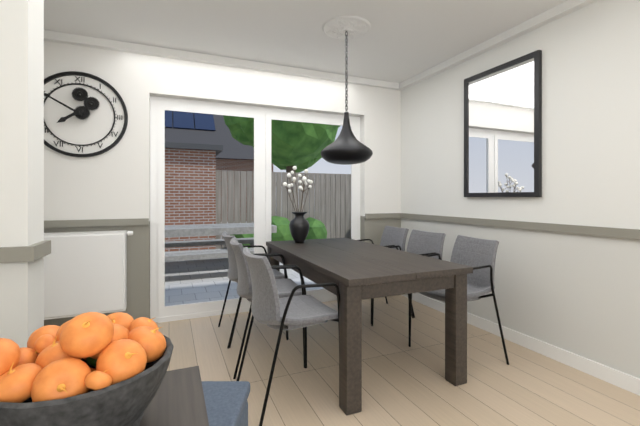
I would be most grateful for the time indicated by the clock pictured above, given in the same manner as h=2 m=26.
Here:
h=7 m=50
